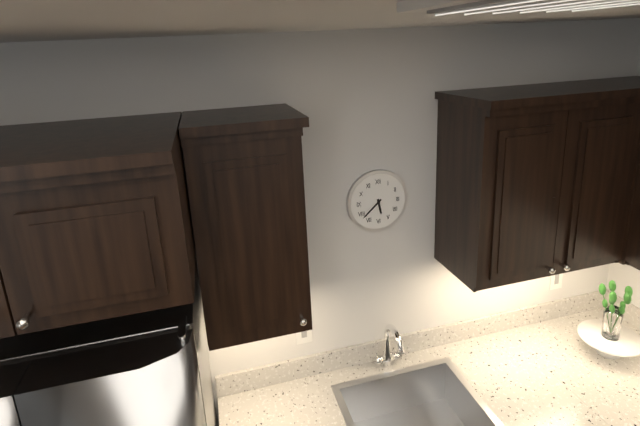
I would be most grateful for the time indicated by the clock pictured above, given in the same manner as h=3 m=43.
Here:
h=5 m=38
